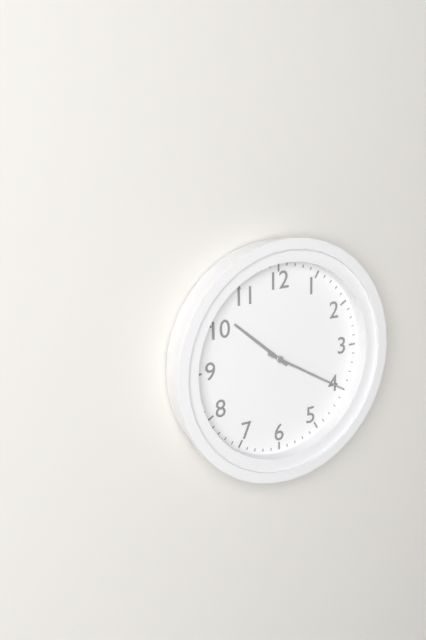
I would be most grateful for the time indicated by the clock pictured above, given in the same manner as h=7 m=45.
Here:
h=10 m=20
